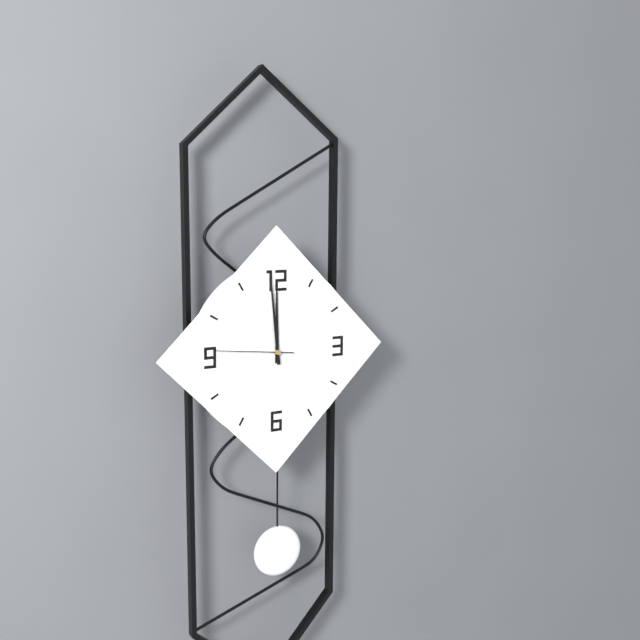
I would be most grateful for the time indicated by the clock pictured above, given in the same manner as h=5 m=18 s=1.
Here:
h=11 m=59 s=46
